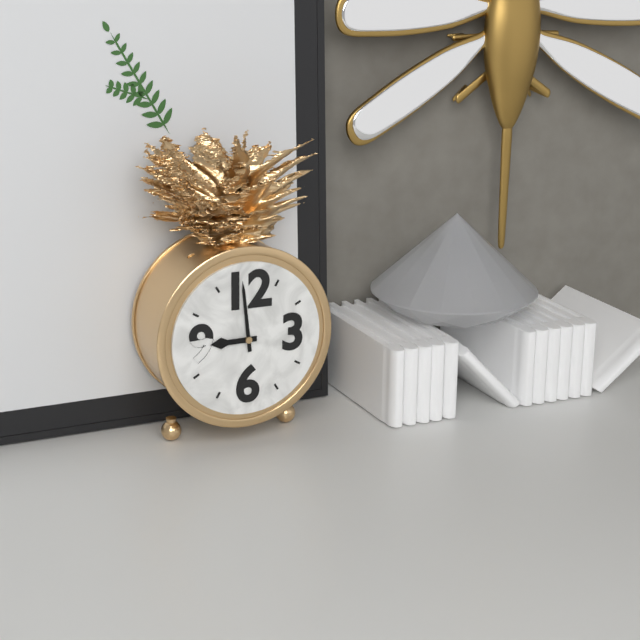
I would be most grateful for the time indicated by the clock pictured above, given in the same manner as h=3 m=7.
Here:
h=8 m=59
